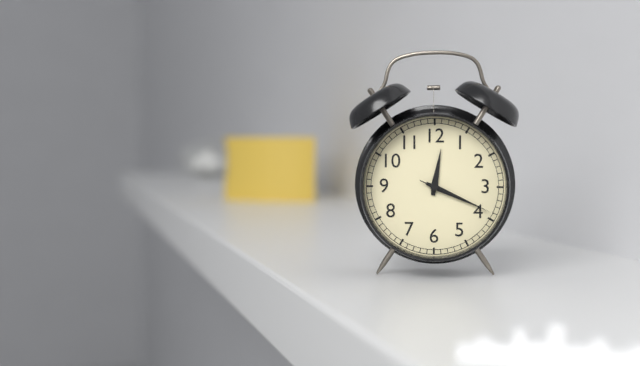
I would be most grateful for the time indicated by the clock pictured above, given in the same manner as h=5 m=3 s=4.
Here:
h=12 m=19 s=19
